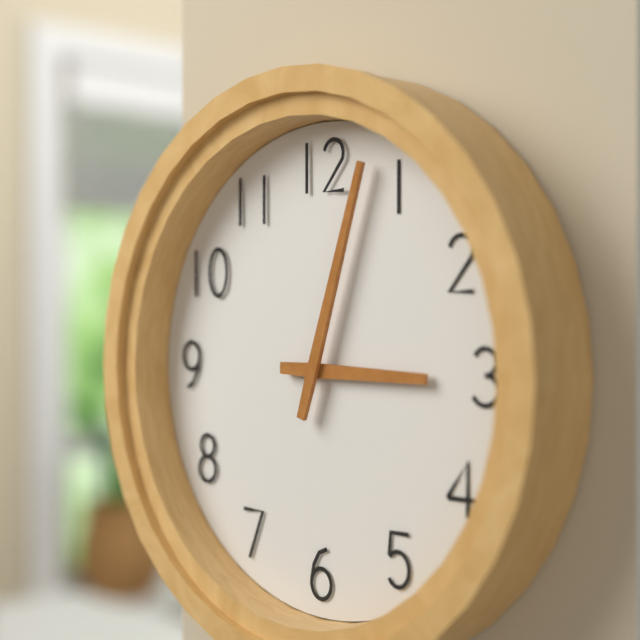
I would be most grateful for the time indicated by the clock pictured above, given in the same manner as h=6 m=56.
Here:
h=3 m=3
